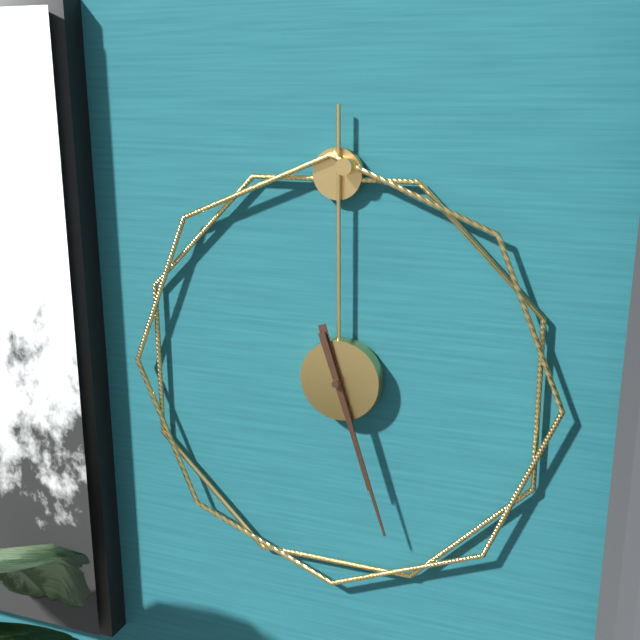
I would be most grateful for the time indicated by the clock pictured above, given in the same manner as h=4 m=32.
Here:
h=5 m=27
